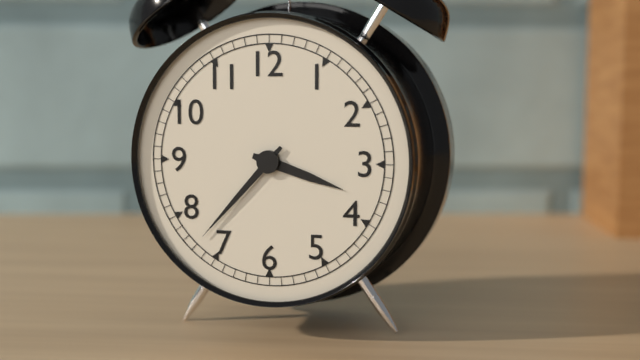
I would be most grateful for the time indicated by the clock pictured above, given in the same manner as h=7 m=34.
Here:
h=3 m=37
